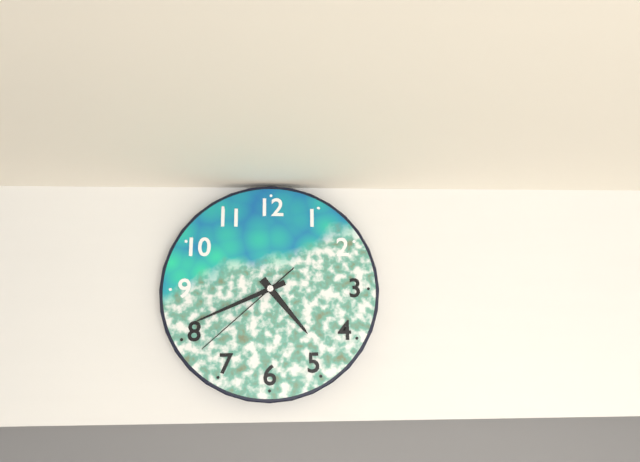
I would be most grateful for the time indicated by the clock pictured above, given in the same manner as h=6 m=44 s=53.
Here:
h=4 m=41 s=38
